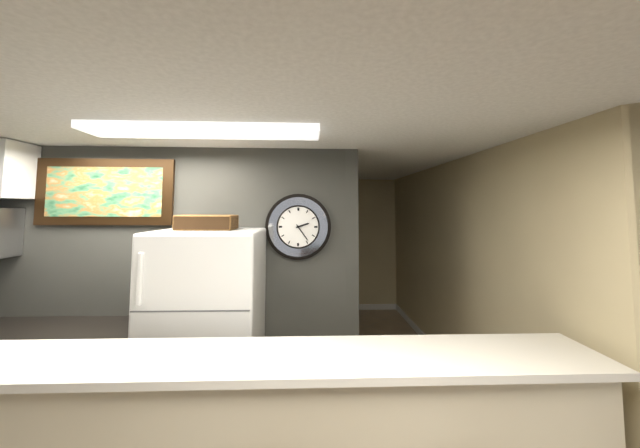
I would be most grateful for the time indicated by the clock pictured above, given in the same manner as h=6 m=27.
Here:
h=2 m=24
